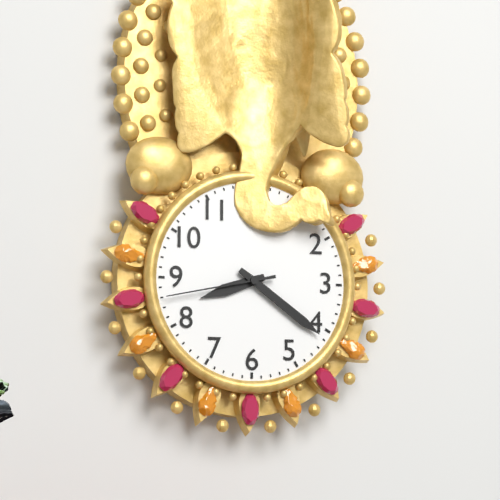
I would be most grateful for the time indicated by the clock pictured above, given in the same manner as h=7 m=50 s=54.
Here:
h=8 m=21 s=43
